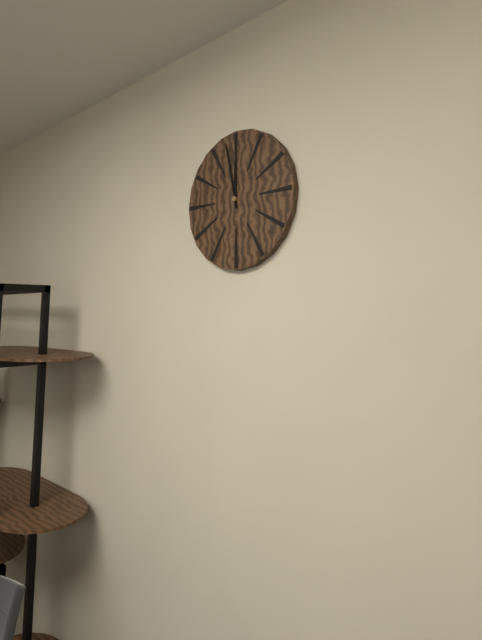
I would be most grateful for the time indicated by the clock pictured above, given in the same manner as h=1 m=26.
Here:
h=11 m=58
